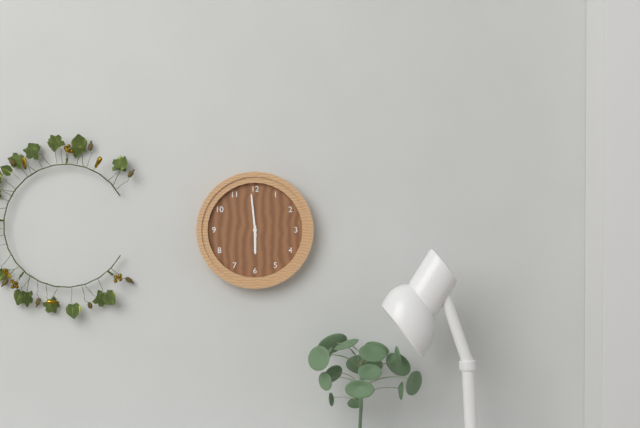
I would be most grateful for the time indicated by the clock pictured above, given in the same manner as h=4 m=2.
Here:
h=5 m=59
